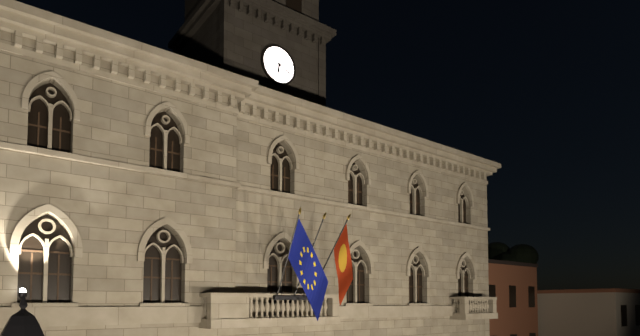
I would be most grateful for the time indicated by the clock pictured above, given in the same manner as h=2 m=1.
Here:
h=6 m=19
